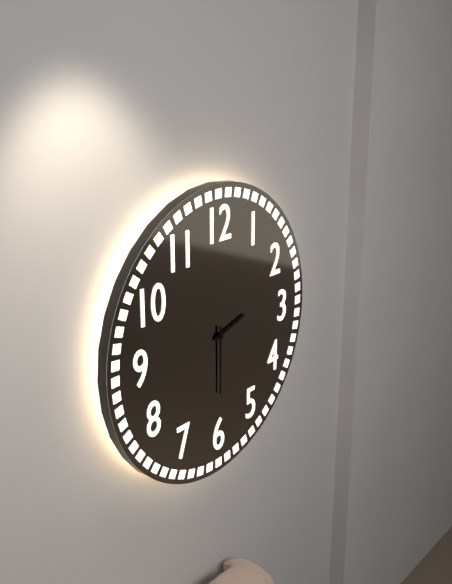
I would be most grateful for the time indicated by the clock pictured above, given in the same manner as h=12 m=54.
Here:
h=2 m=30
